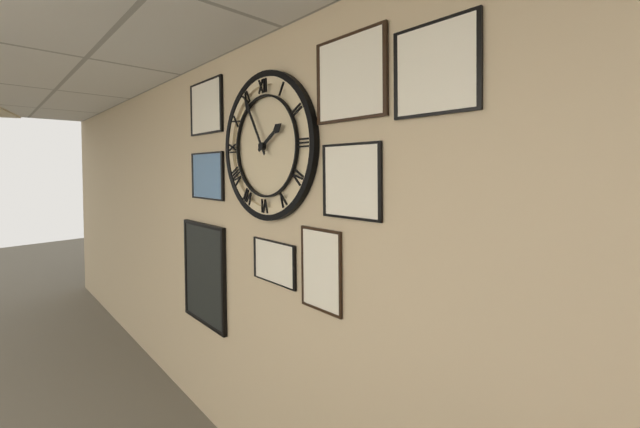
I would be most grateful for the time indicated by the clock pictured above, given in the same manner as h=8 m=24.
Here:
h=1 m=55
